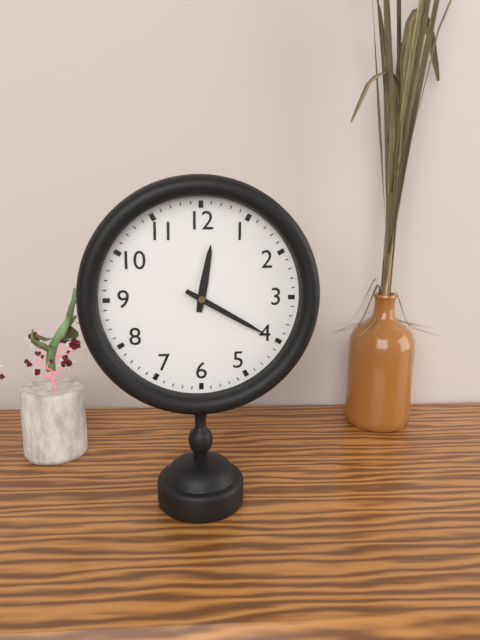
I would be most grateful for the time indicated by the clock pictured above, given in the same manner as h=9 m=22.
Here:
h=12 m=20
